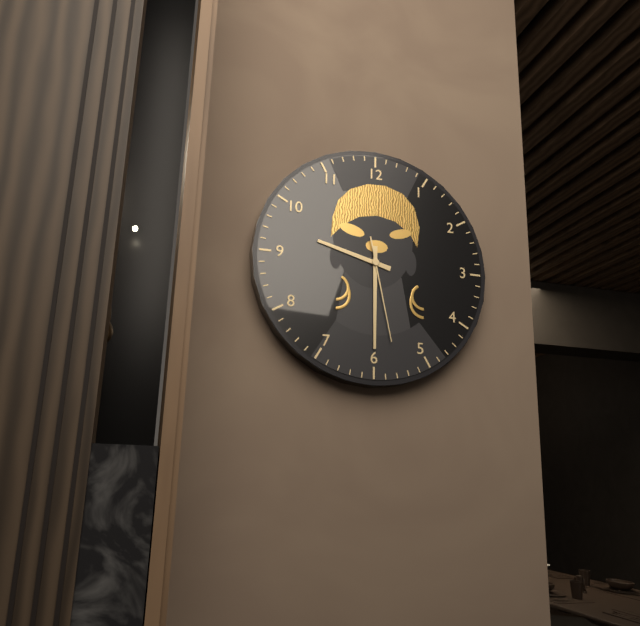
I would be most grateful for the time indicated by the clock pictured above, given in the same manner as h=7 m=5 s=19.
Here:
h=9 m=30 s=28
